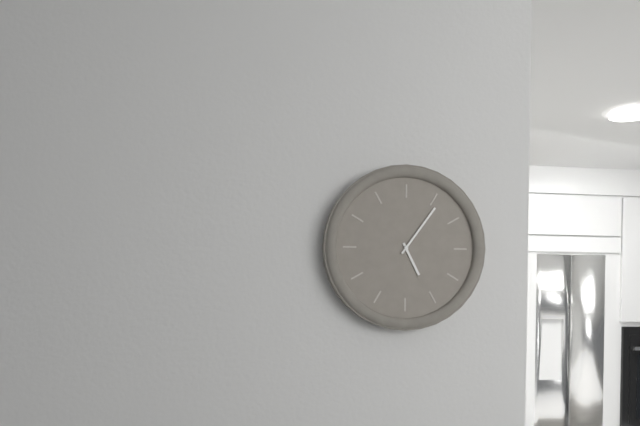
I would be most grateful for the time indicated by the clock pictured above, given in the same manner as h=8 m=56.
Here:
h=5 m=6
